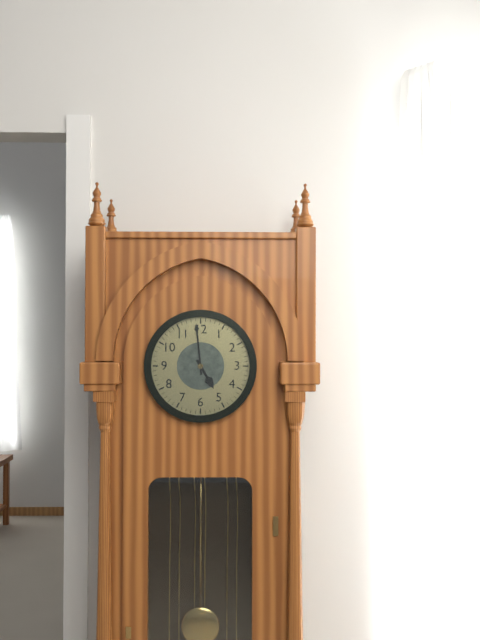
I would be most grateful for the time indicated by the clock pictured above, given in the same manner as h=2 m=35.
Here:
h=4 m=59
